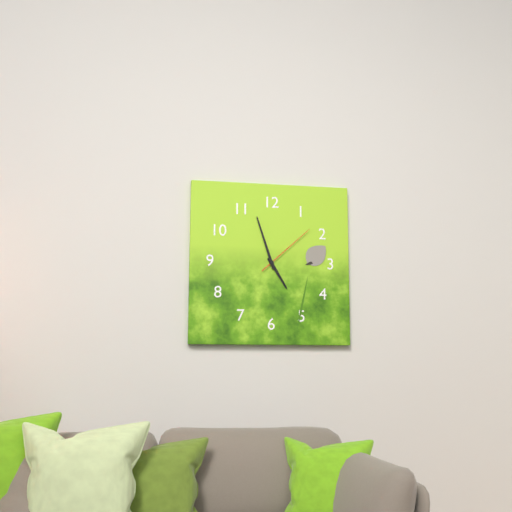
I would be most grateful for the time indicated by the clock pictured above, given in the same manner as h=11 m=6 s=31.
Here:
h=4 m=57 s=8
